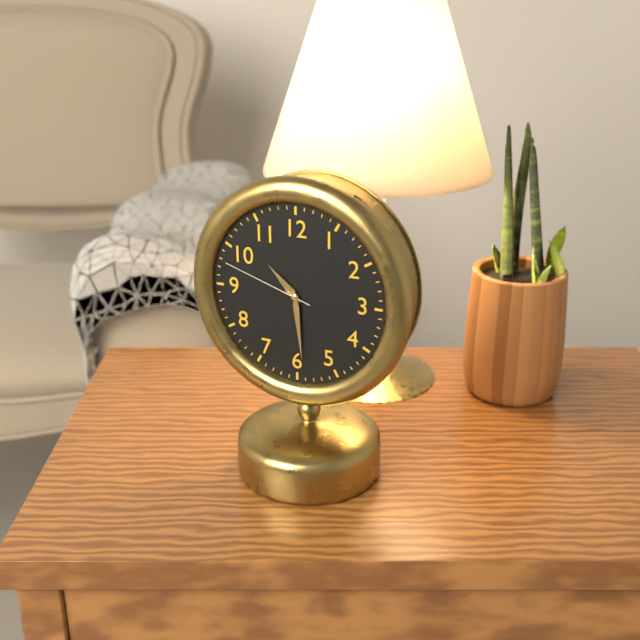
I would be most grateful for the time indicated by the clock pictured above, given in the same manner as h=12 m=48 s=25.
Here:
h=10 m=29 s=48
